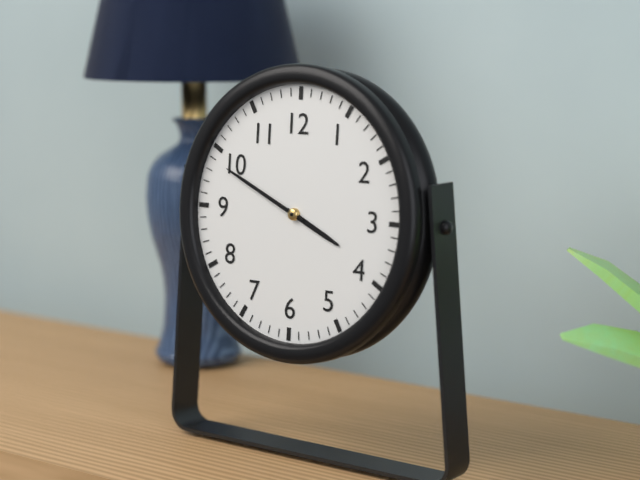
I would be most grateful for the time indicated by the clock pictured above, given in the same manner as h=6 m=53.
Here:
h=3 m=49
